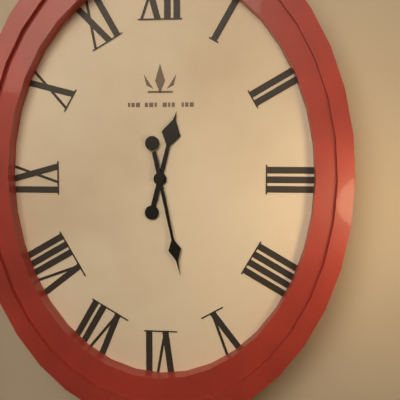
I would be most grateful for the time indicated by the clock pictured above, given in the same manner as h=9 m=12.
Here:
h=12 m=28
